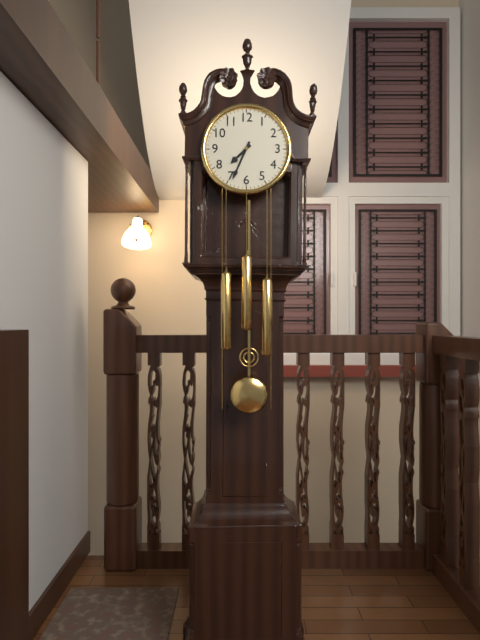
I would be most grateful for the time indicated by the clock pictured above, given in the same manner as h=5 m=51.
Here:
h=7 m=34
